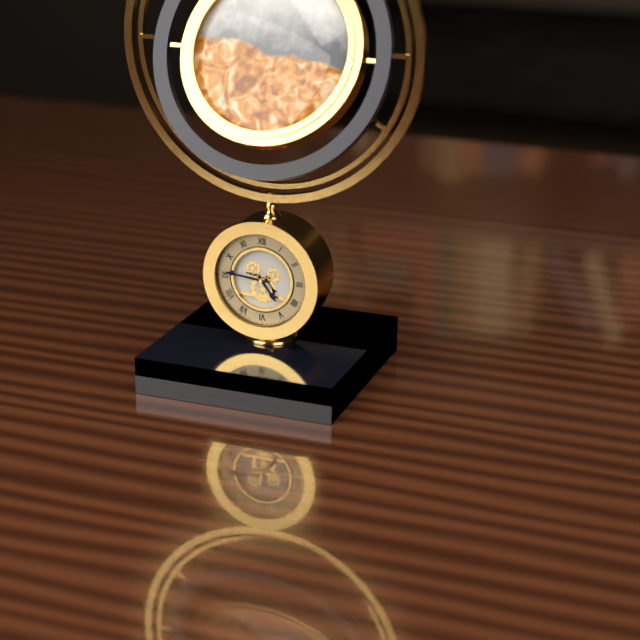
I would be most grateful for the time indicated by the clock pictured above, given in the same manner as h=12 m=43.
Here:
h=4 m=46
